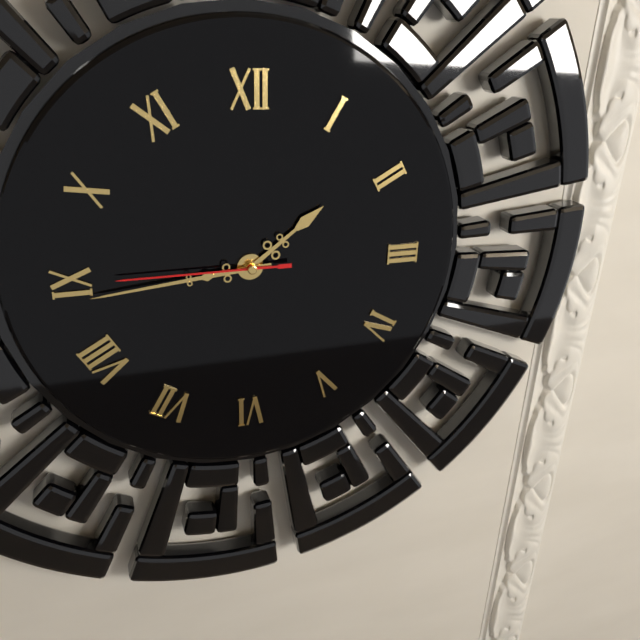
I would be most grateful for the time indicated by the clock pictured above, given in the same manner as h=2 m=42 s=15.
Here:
h=1 m=44 s=45
